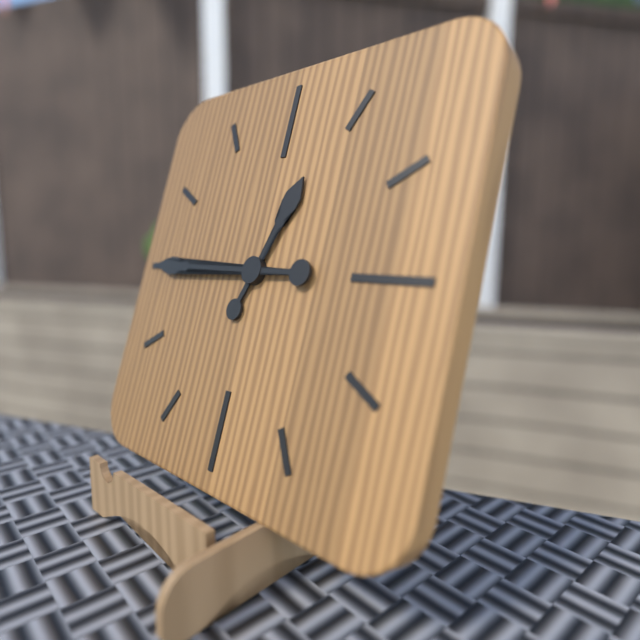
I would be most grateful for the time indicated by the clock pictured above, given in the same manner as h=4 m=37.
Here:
h=12 m=45
